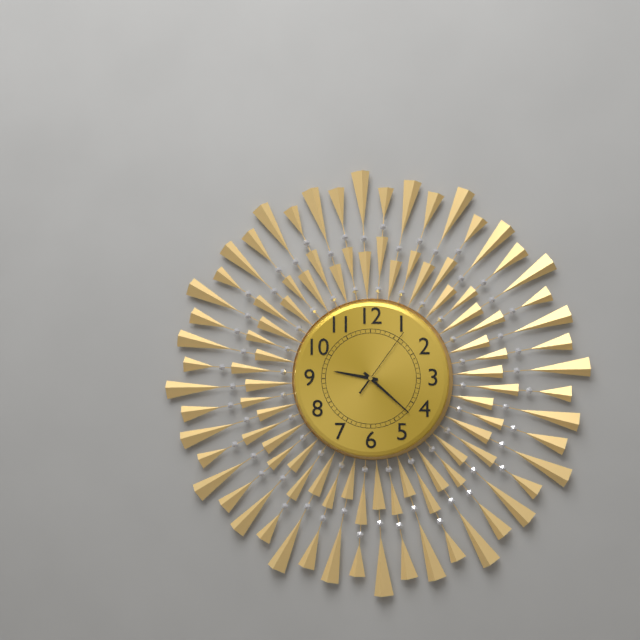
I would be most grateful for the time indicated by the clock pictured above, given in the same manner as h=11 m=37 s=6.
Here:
h=9 m=22 s=6
